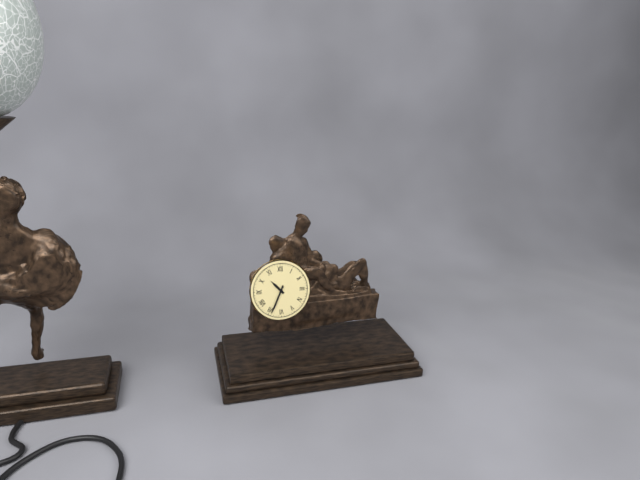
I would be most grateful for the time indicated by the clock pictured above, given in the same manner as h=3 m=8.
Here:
h=10 m=34
